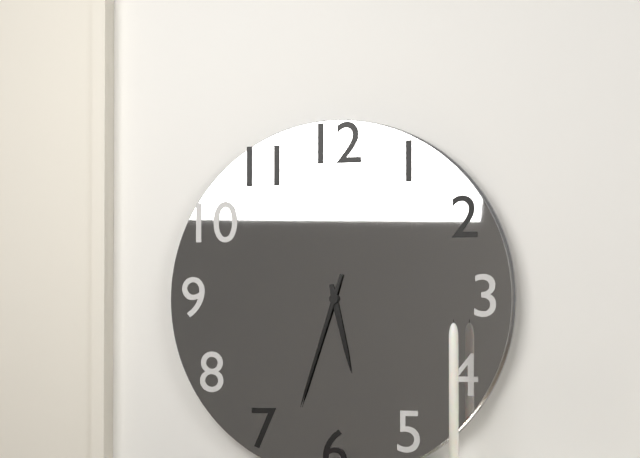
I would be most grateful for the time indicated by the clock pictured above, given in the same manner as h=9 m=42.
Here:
h=5 m=33
